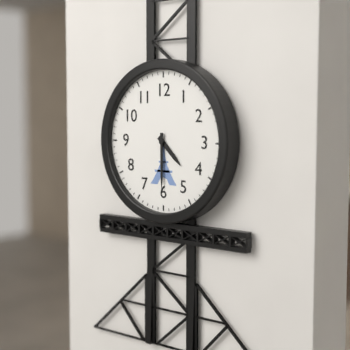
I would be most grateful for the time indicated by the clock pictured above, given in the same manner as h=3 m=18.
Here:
h=4 m=30
